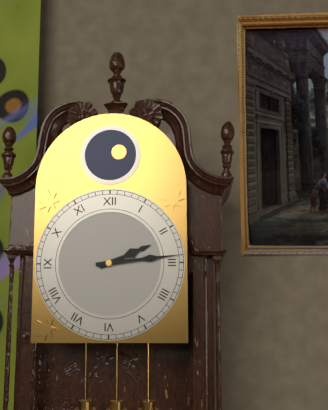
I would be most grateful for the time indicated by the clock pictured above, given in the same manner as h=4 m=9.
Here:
h=2 m=14
